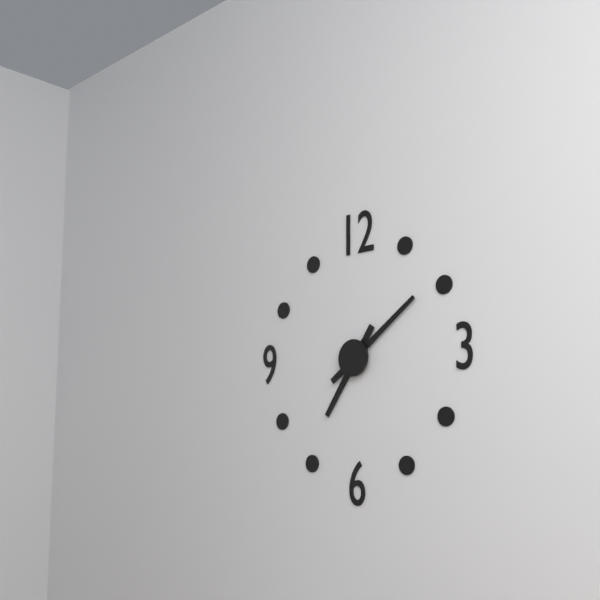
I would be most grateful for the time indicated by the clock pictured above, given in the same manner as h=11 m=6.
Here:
h=7 m=9
